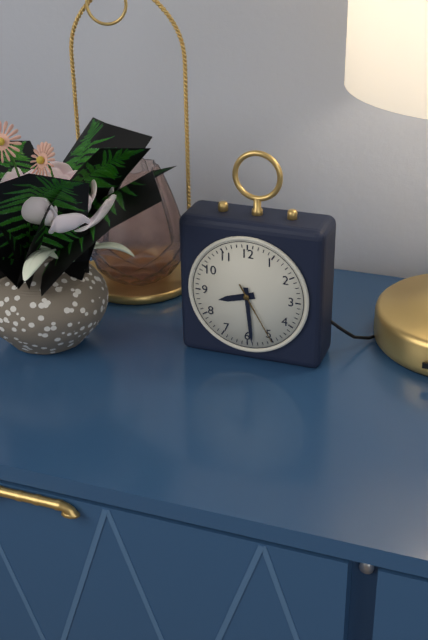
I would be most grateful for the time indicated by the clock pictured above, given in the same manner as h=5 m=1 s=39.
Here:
h=8 m=29 s=25
